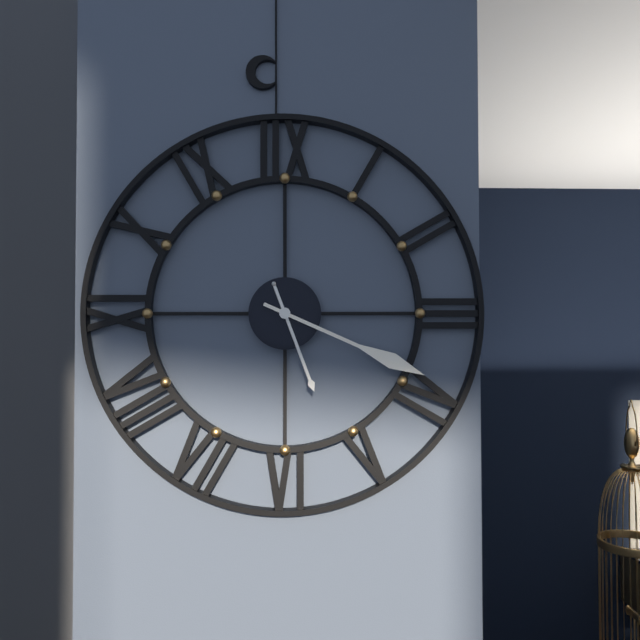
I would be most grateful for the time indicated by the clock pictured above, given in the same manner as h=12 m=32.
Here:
h=5 m=19
